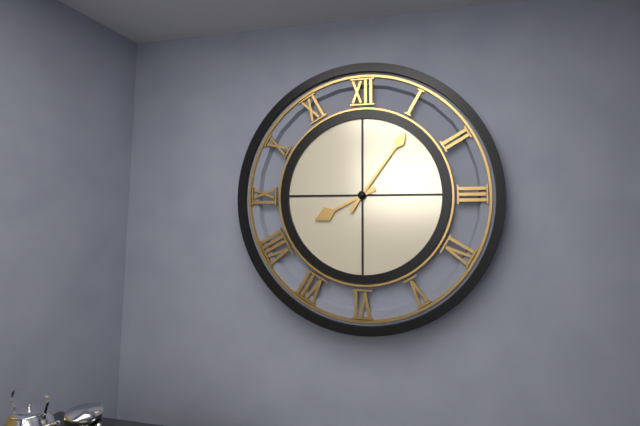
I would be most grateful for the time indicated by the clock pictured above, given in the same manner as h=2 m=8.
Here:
h=8 m=6
